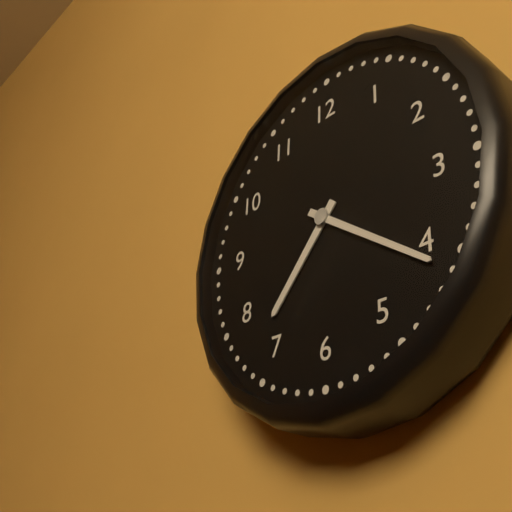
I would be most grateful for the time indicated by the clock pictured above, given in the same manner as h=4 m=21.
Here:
h=7 m=21
